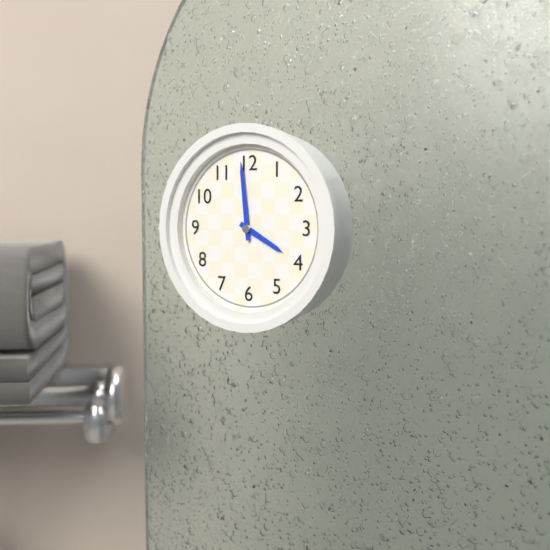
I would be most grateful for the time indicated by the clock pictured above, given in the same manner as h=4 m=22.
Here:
h=3 m=59
